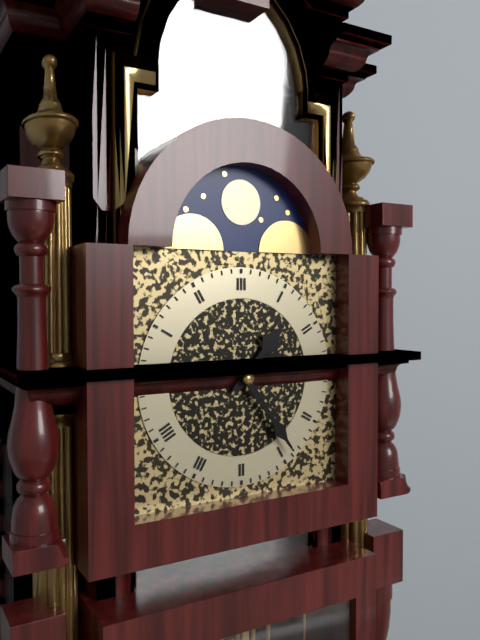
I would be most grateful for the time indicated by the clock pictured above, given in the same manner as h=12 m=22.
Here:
h=1 m=24
